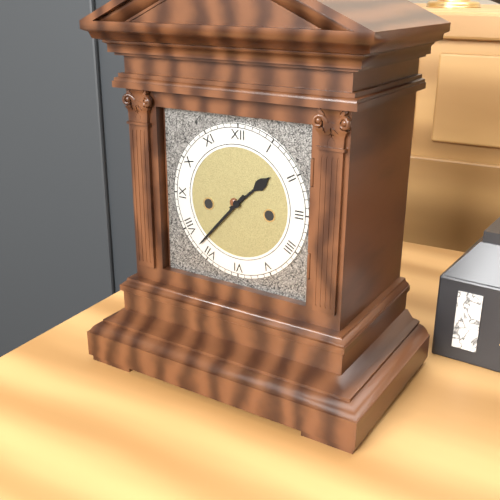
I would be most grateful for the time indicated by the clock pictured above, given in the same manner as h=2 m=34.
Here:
h=1 m=37
